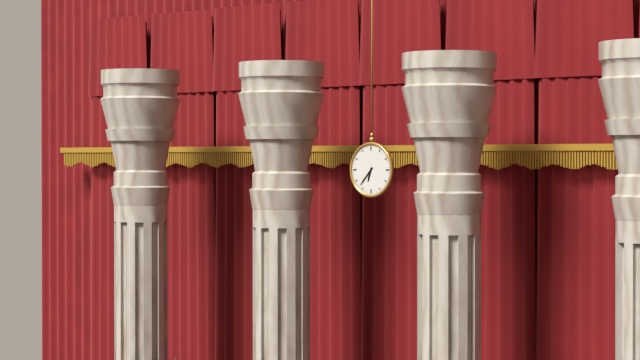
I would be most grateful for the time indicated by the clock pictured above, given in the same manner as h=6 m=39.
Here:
h=6 m=37
